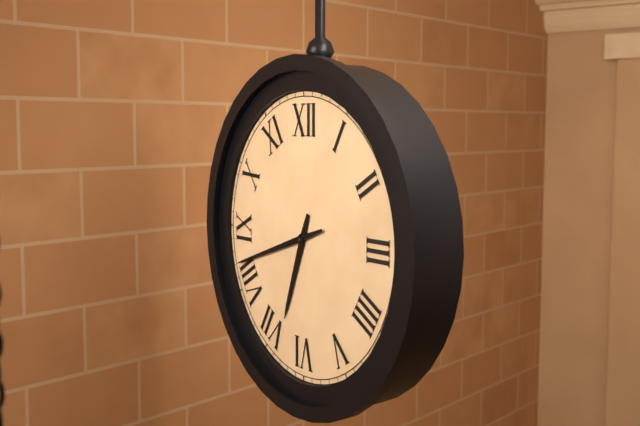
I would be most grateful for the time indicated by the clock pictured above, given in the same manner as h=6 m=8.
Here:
h=6 m=42
